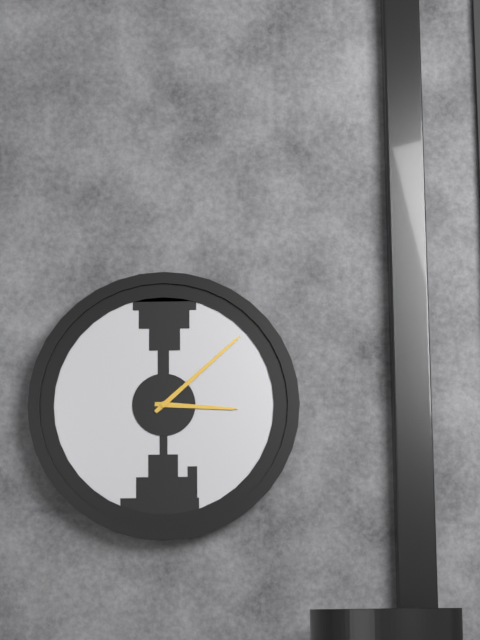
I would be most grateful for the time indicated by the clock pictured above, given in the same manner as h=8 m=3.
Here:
h=3 m=8
